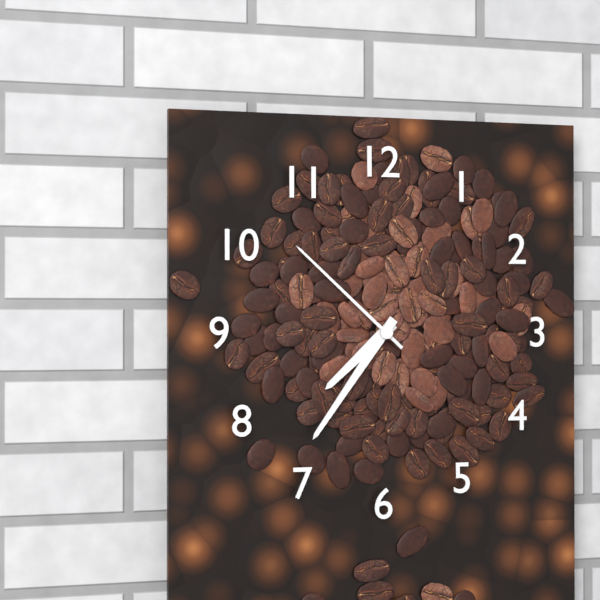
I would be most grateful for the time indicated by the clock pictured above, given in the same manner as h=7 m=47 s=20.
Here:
h=7 m=36 s=52
